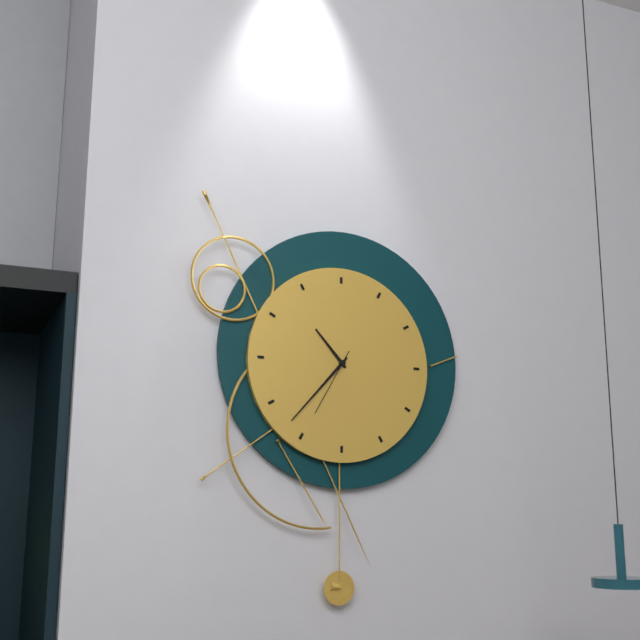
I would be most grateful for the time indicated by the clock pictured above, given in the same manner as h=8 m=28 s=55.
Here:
h=10 m=37 s=35
